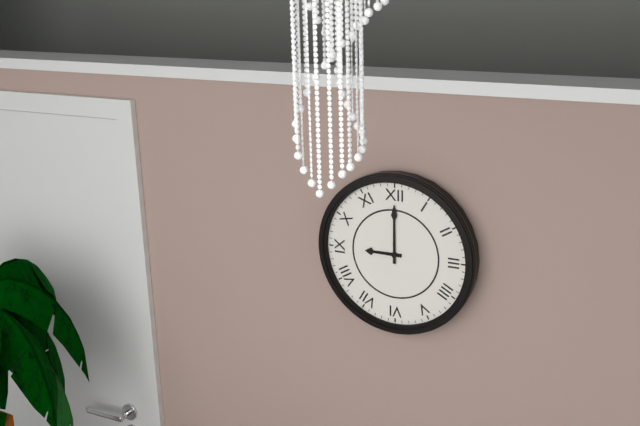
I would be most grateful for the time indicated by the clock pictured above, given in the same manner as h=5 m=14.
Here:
h=9 m=0
